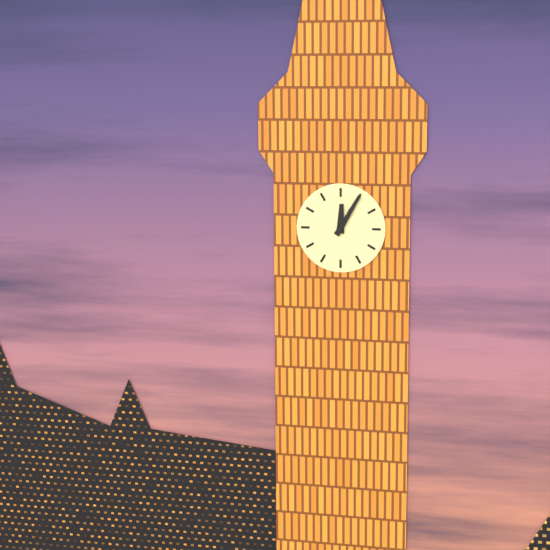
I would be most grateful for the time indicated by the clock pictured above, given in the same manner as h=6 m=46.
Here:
h=12 m=5
